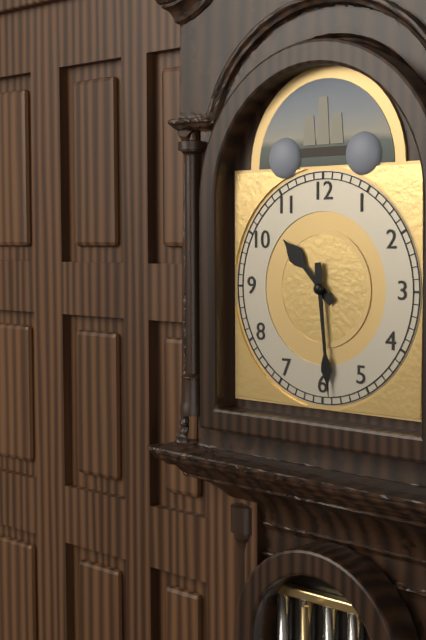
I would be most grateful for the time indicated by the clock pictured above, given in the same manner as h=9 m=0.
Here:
h=10 m=29
